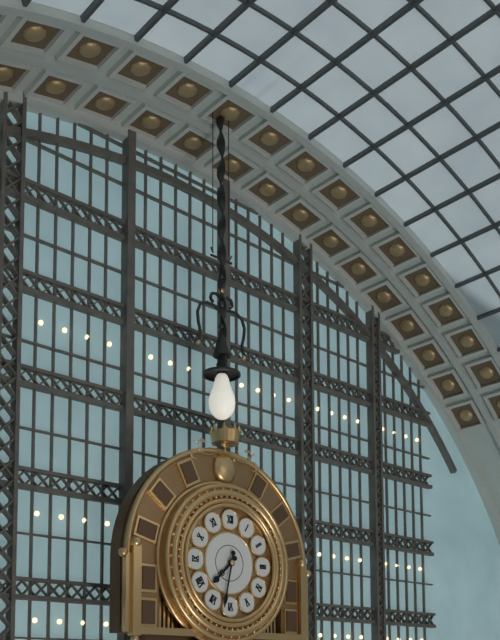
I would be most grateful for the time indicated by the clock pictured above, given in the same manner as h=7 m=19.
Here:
h=7 m=32
